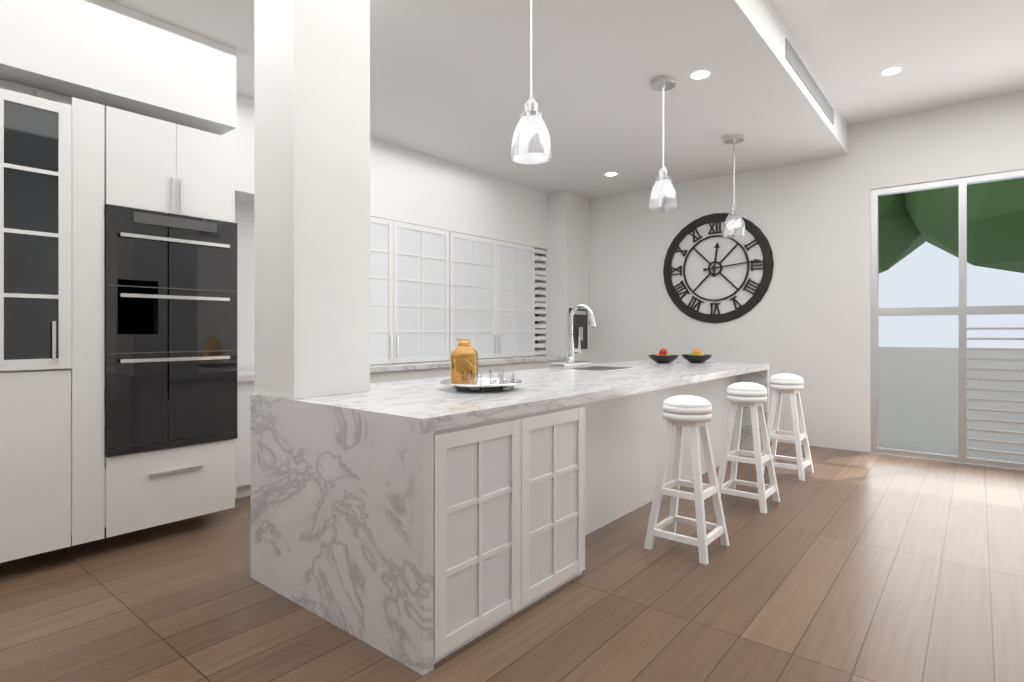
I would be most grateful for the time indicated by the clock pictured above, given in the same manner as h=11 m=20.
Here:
h=12 m=14
